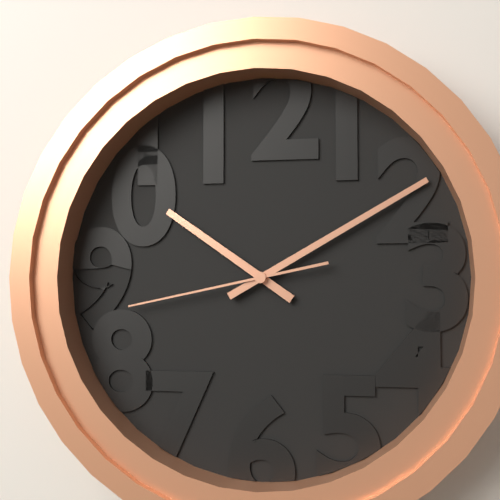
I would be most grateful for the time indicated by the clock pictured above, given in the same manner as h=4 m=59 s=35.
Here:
h=10 m=10 s=43
